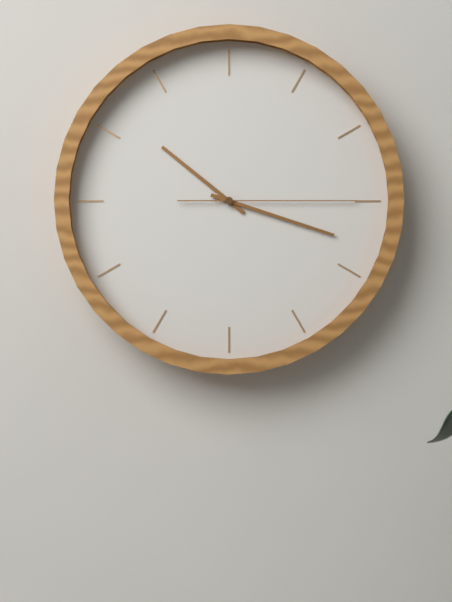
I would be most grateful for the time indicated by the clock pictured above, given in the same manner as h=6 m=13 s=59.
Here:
h=10 m=18 s=15
